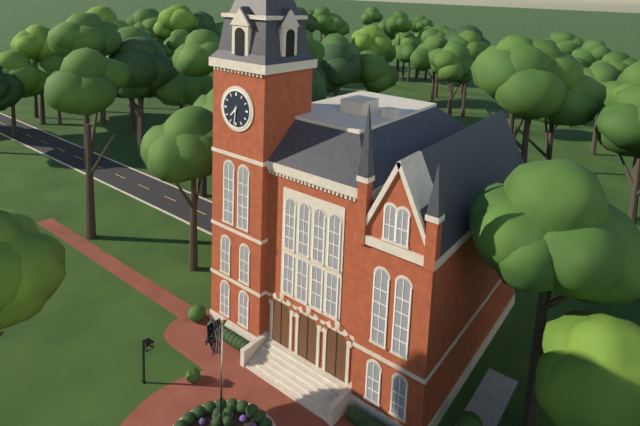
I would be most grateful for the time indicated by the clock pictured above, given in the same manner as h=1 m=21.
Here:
h=7 m=31
